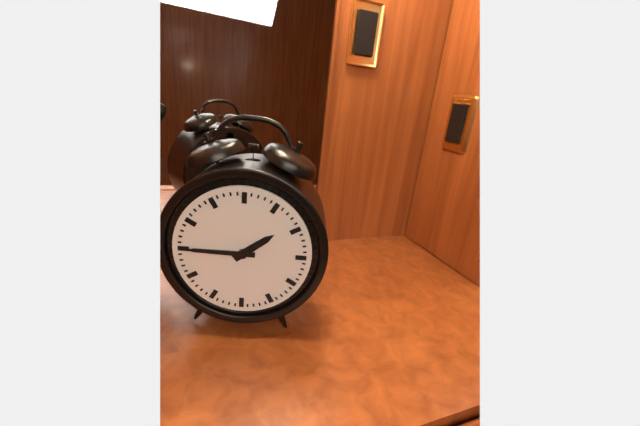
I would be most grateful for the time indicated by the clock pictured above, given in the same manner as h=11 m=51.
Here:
h=1 m=45
